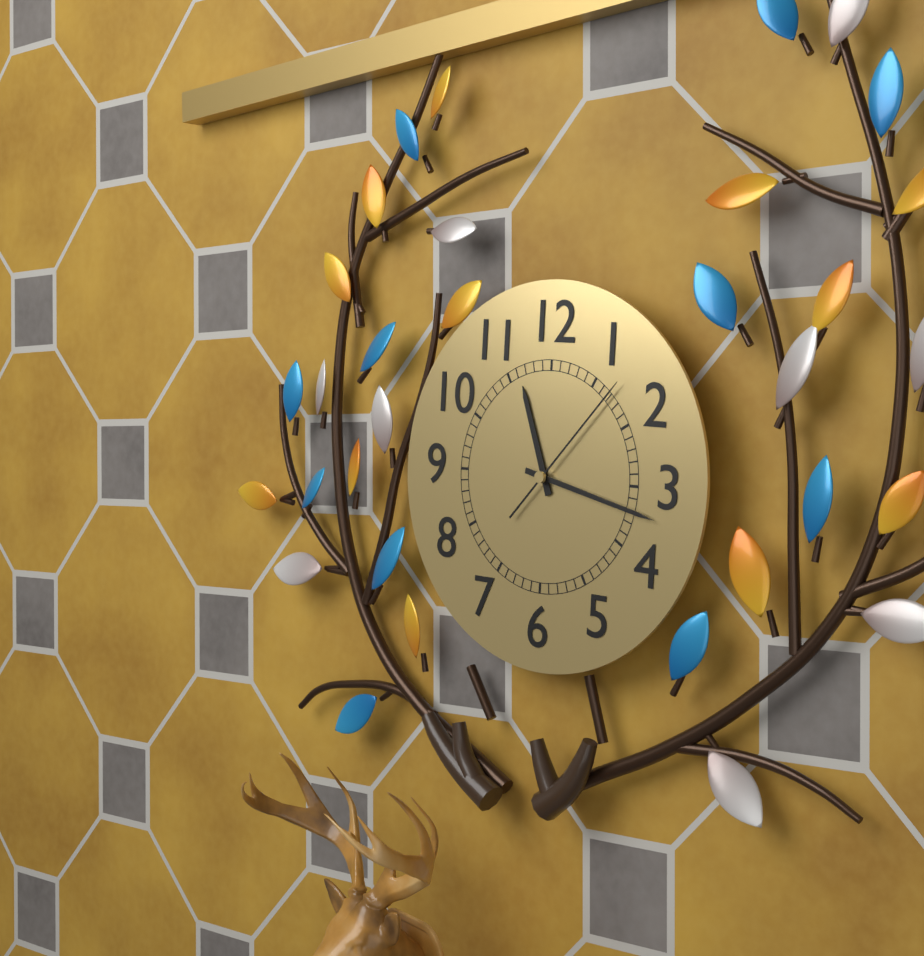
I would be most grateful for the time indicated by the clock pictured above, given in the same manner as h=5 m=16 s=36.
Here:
h=11 m=17 s=7
